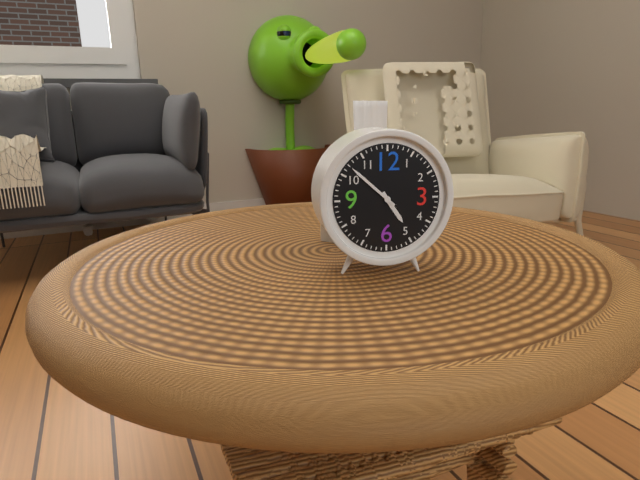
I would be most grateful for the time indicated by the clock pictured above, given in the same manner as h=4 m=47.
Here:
h=4 m=52
